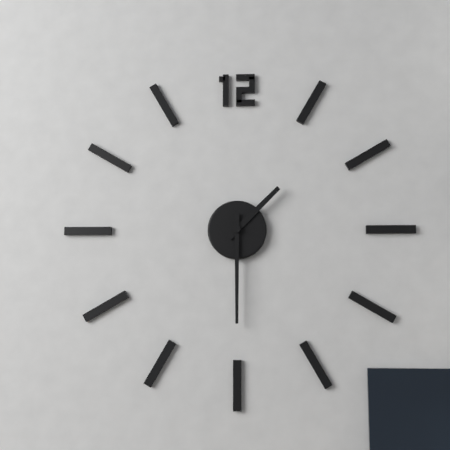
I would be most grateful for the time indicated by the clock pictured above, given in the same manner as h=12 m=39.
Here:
h=1 m=30
